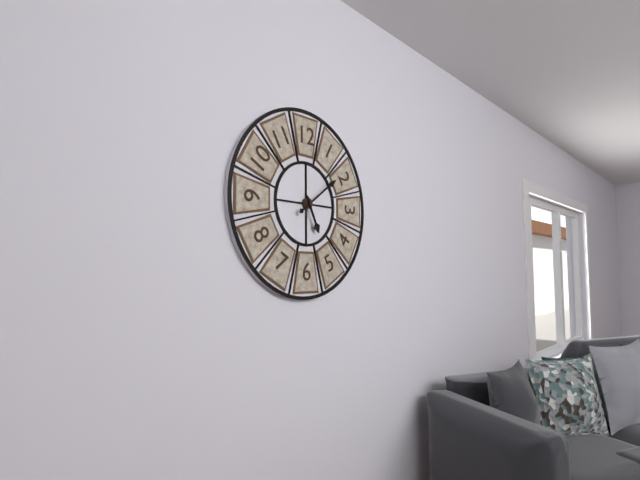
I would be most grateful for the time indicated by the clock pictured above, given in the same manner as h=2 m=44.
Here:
h=5 m=9
